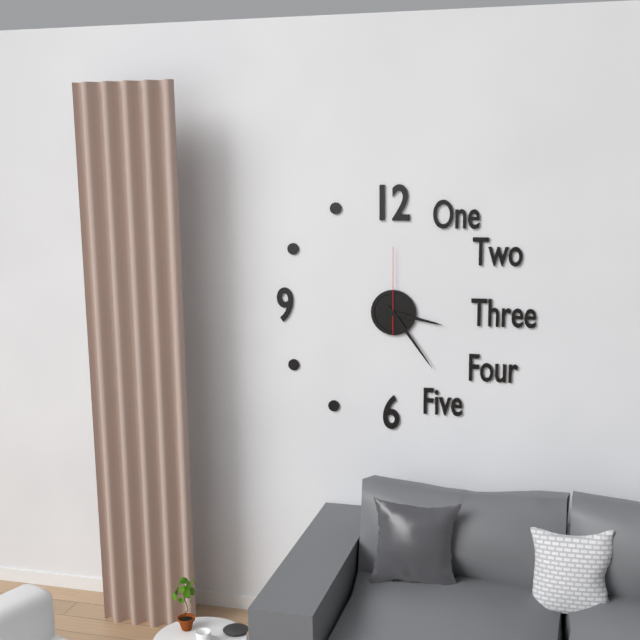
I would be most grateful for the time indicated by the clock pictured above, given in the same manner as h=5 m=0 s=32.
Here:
h=3 m=24 s=0
